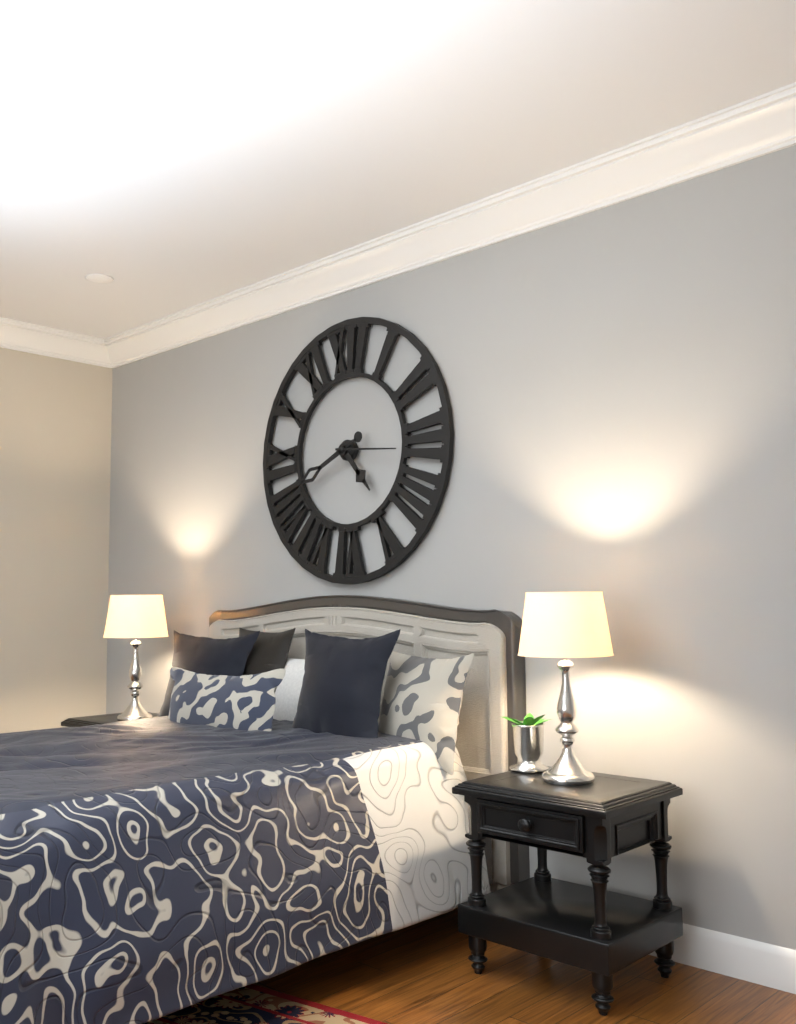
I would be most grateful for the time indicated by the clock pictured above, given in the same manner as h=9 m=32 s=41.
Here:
h=4 m=41 s=16
